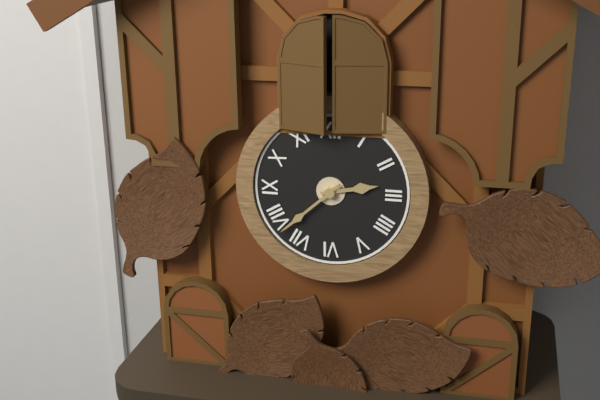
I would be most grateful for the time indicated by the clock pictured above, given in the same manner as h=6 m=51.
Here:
h=2 m=38
